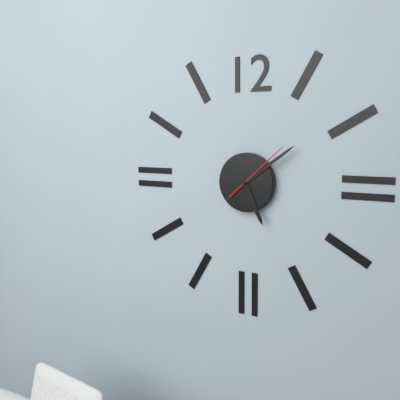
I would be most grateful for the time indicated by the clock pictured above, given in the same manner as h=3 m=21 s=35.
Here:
h=5 m=9 s=8
